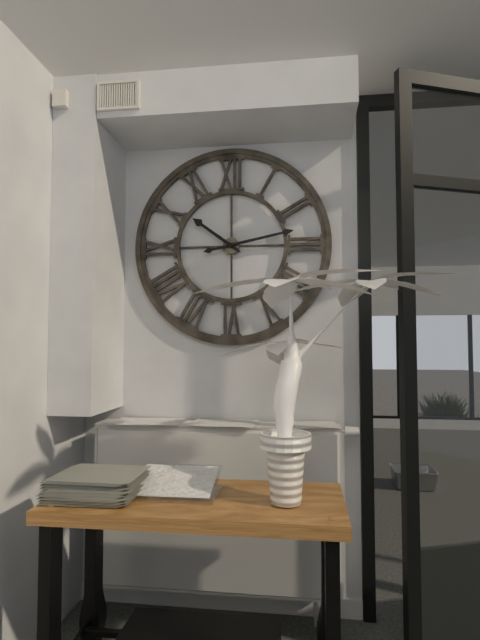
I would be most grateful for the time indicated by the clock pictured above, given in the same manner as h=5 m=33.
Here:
h=10 m=13
